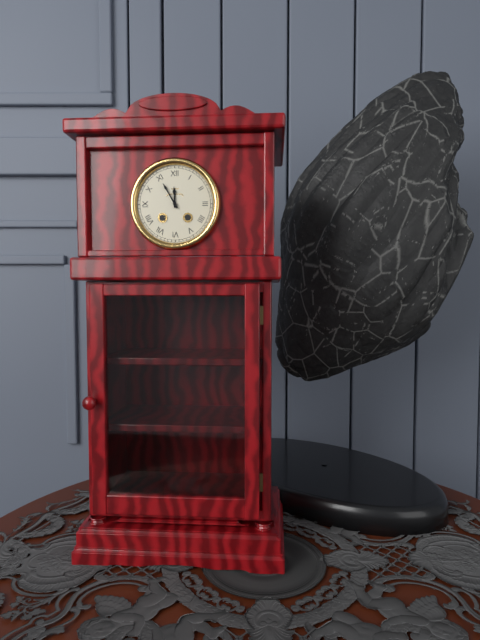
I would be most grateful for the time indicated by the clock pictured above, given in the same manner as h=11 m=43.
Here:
h=11 m=55
